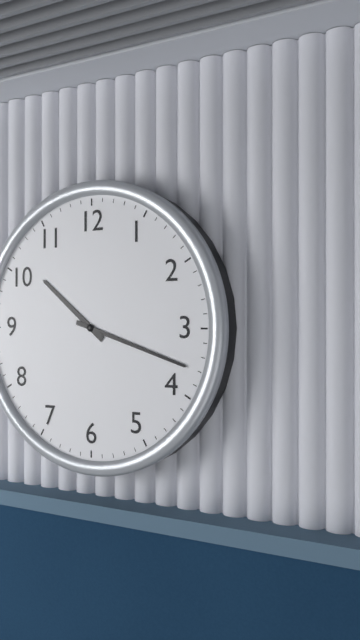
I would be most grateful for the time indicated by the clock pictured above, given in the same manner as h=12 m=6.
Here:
h=10 m=18
